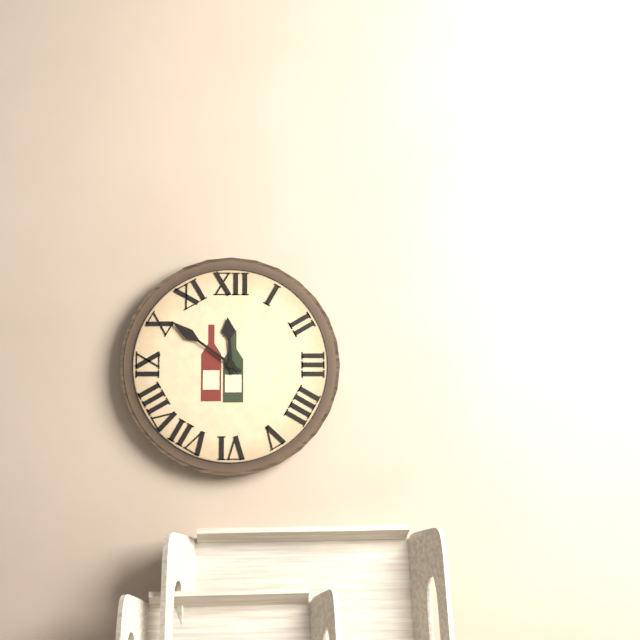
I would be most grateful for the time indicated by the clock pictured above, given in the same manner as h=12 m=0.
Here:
h=11 m=51
